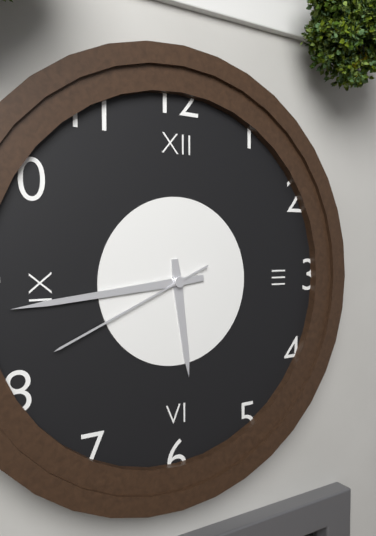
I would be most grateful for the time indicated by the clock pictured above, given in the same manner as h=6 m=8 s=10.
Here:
h=5 m=44 s=41
